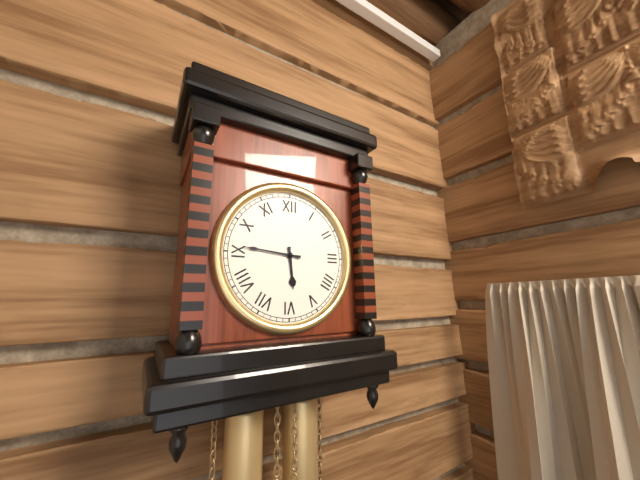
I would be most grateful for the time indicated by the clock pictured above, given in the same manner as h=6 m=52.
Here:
h=5 m=46
